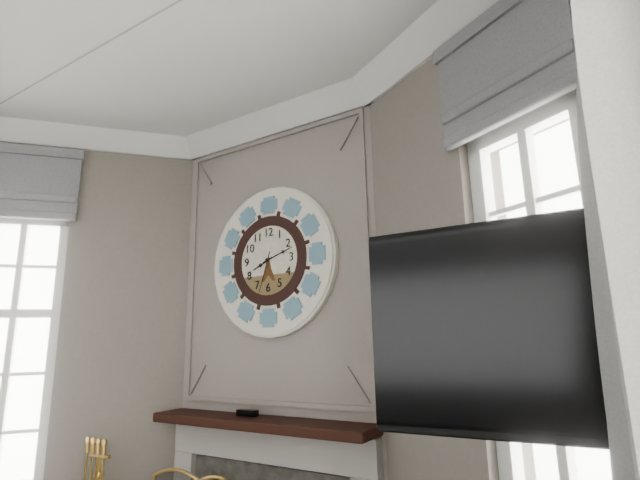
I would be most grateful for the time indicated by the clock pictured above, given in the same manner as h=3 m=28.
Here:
h=8 m=12
